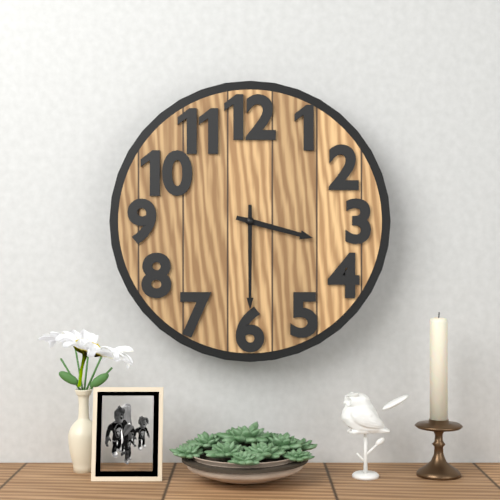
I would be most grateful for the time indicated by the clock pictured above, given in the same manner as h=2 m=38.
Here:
h=3 m=30
